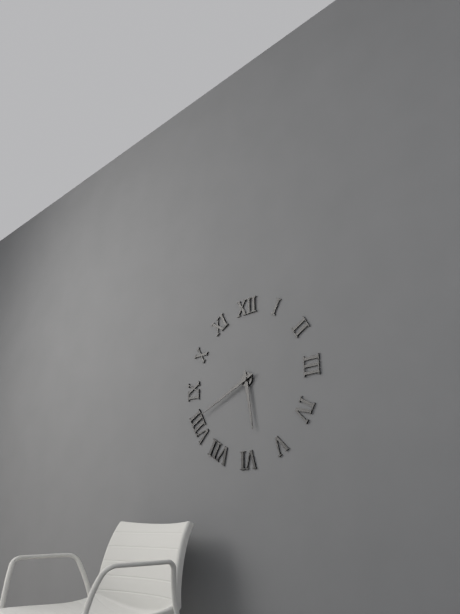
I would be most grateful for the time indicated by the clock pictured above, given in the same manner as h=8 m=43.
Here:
h=5 m=41
